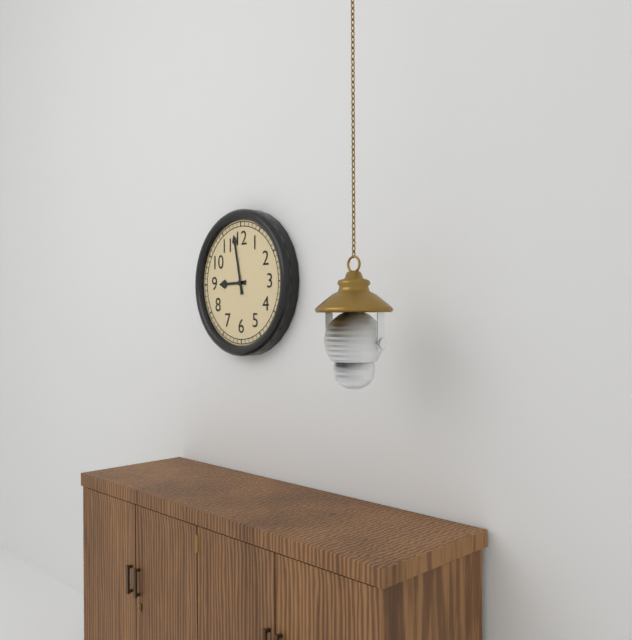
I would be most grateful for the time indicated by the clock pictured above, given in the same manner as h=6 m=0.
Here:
h=8 m=58
